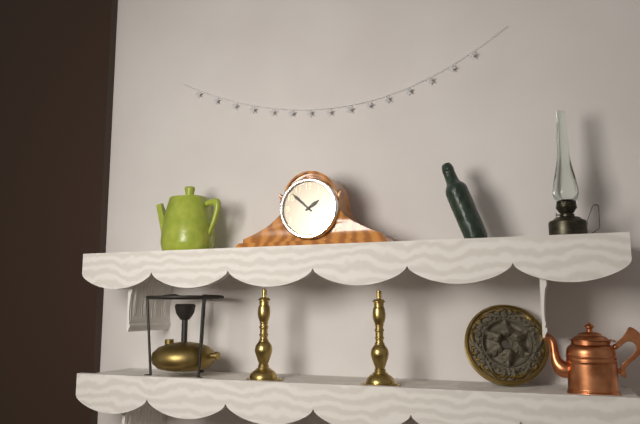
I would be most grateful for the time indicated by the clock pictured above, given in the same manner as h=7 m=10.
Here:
h=1 m=52
